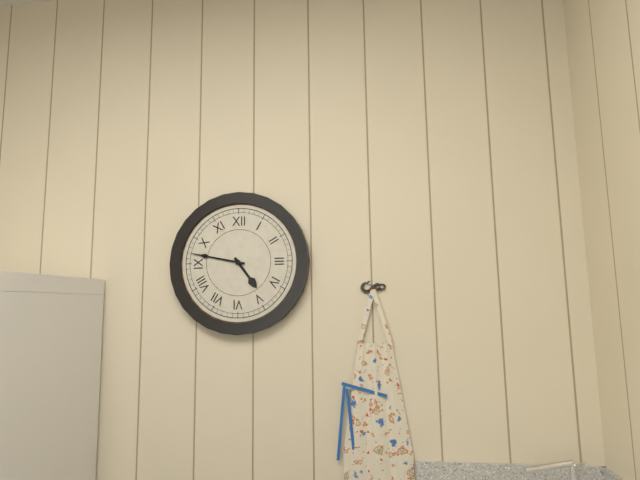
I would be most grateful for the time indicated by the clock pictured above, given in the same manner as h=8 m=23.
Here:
h=4 m=47
